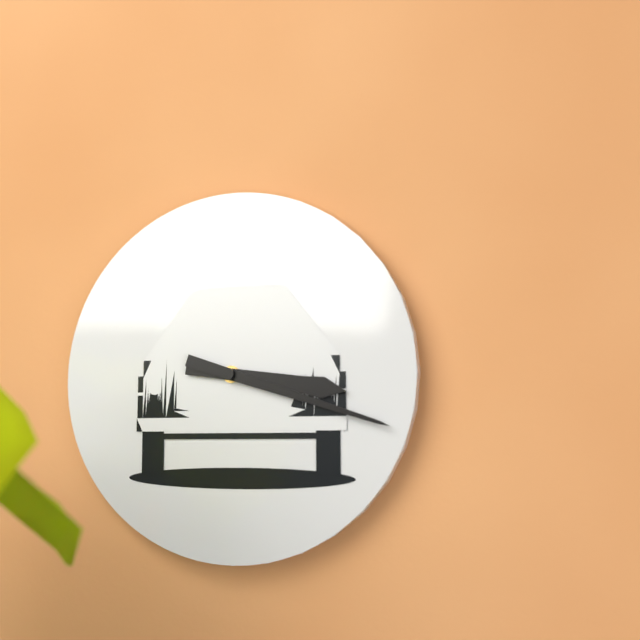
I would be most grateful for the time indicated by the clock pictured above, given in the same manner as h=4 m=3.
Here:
h=3 m=18
